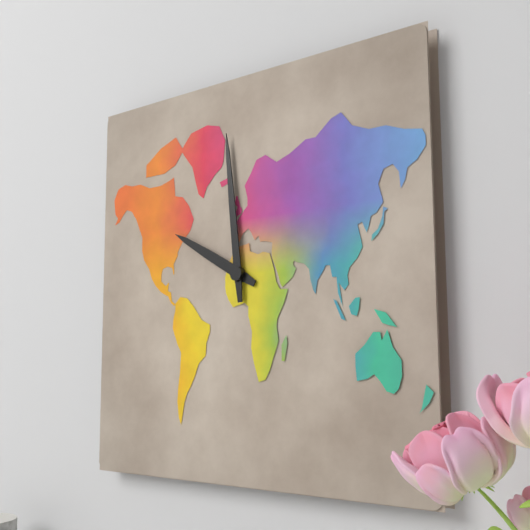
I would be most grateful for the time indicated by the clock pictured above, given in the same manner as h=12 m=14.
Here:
h=9 m=59
